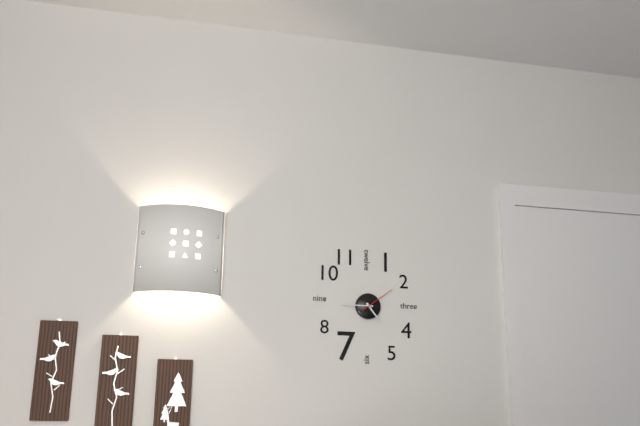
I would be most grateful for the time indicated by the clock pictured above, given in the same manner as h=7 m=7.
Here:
h=4 m=45
